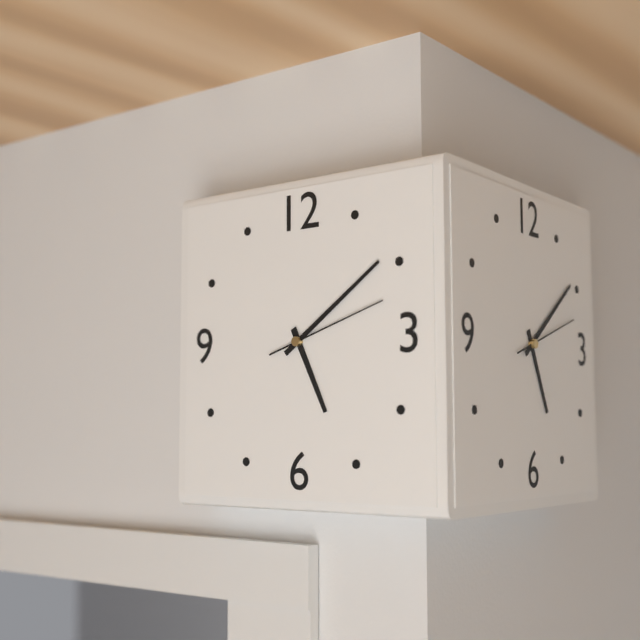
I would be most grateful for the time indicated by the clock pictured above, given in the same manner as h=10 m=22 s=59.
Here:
h=5 m=9 s=12
